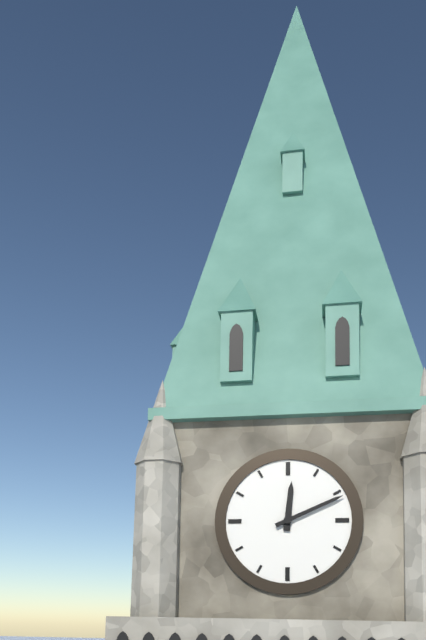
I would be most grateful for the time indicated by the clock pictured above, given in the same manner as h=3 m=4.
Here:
h=12 m=11
